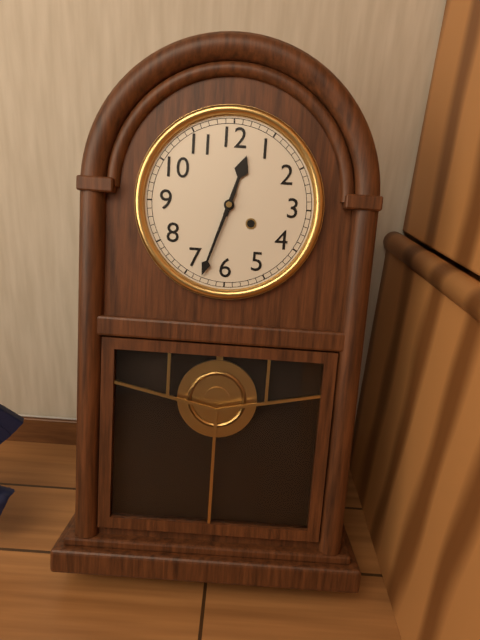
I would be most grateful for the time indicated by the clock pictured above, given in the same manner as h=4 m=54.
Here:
h=12 m=33
